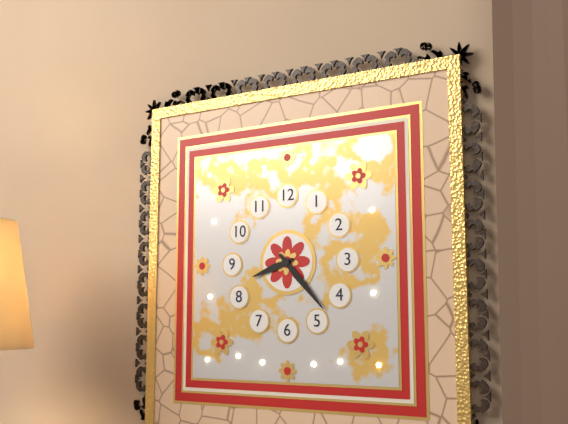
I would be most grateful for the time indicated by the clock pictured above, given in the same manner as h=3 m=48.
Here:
h=8 m=23
